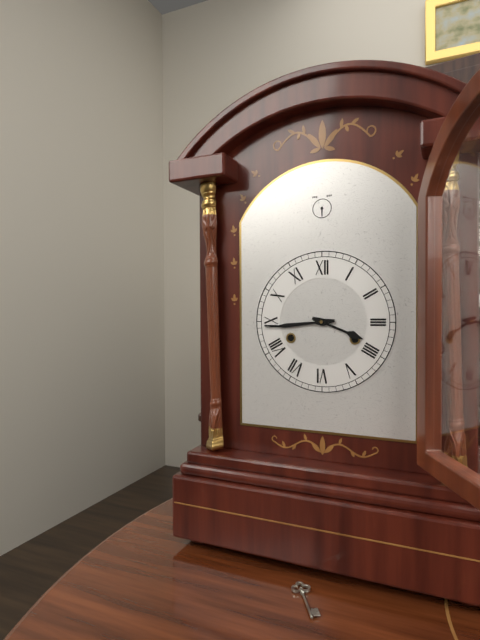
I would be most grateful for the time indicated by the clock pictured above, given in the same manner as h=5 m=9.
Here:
h=3 m=44
